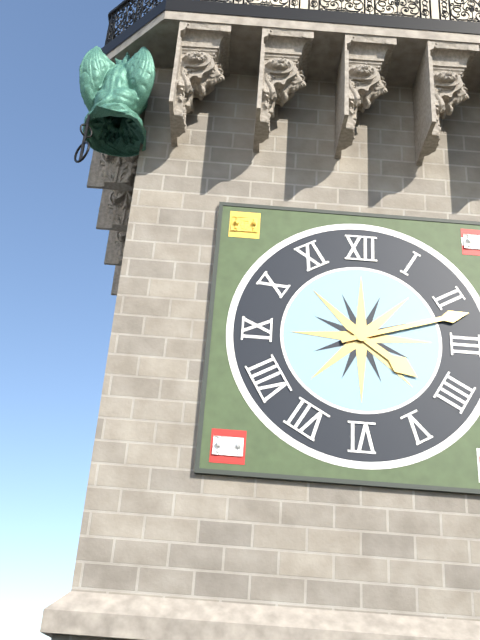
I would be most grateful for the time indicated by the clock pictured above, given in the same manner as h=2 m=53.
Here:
h=4 m=12
